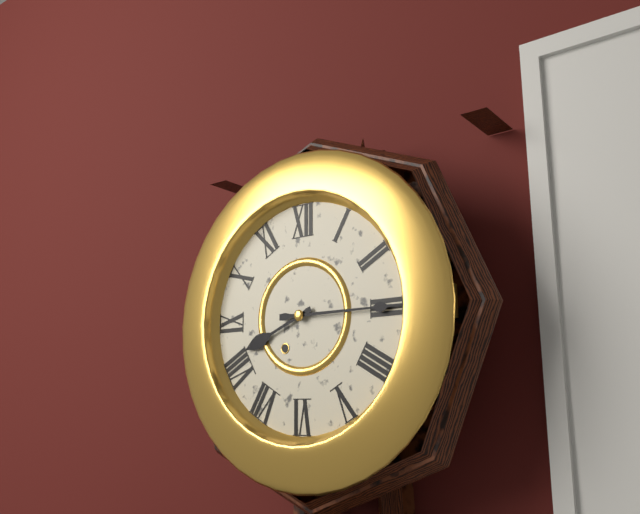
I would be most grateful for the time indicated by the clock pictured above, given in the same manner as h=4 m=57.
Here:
h=8 m=15
